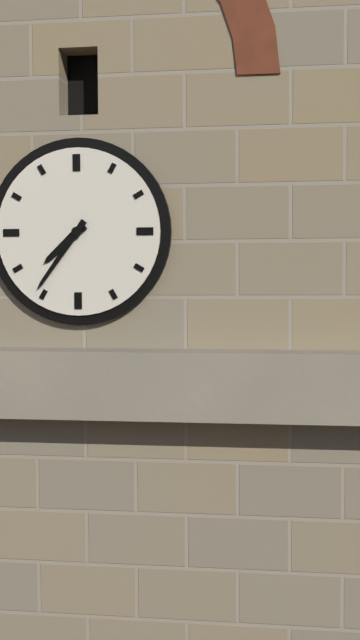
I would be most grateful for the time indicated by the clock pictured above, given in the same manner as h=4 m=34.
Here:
h=7 m=36
